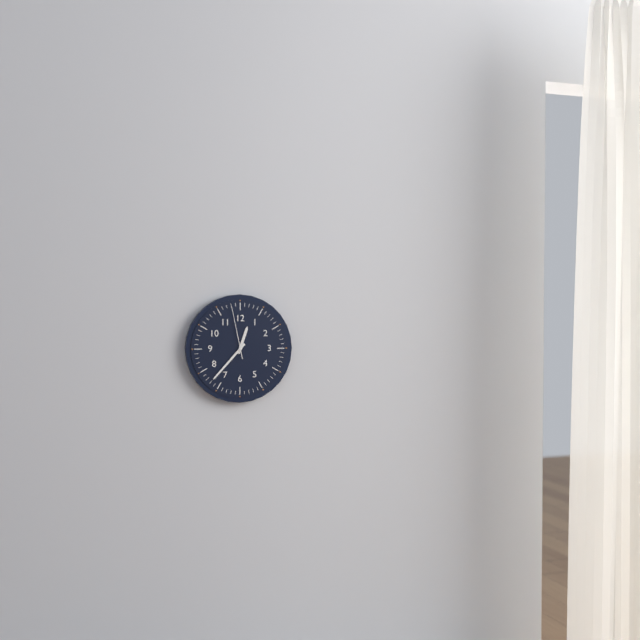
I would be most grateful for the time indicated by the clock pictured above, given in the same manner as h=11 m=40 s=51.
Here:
h=12 m=37 s=58
